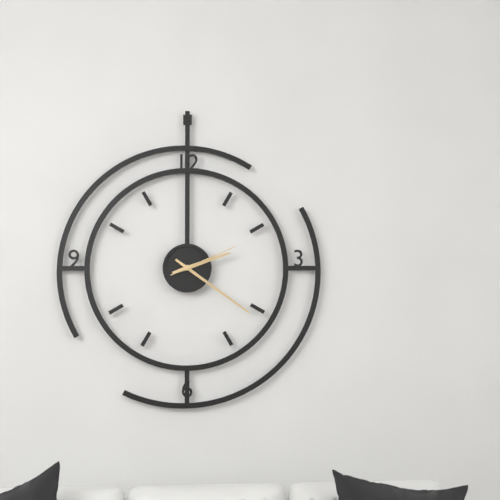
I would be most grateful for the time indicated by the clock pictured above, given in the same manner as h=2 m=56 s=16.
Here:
h=2 m=21 s=11
